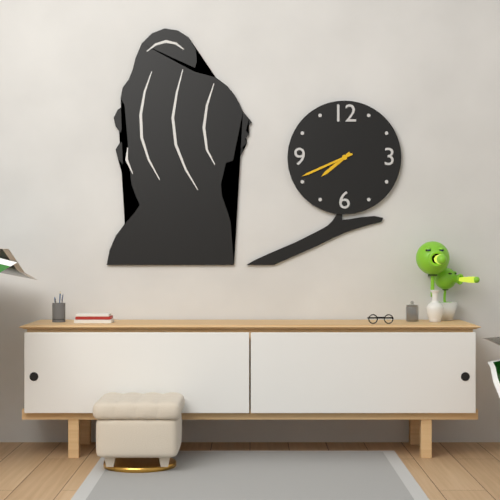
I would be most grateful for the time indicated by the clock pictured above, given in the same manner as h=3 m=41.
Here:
h=7 m=41
